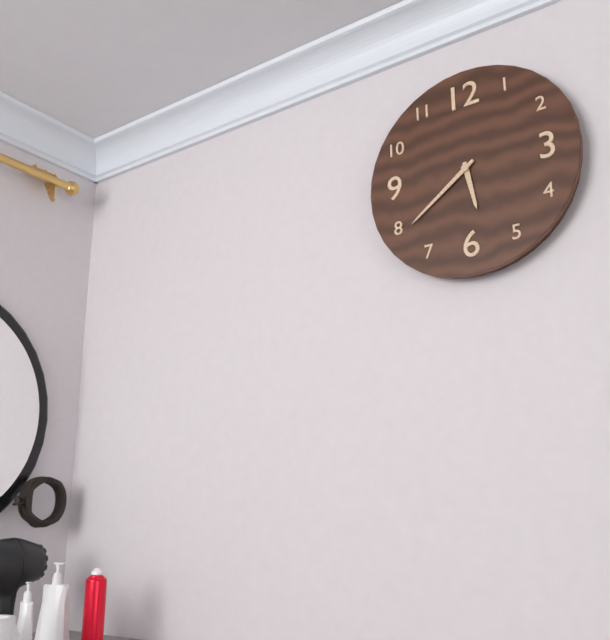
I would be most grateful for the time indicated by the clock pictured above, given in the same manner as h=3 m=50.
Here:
h=5 m=39
